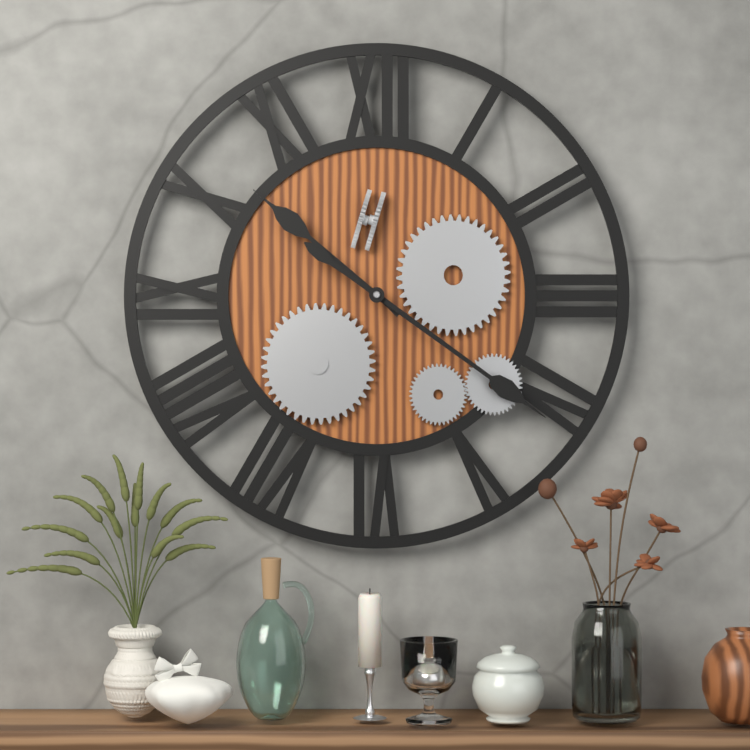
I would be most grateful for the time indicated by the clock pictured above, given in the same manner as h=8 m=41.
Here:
h=10 m=21
